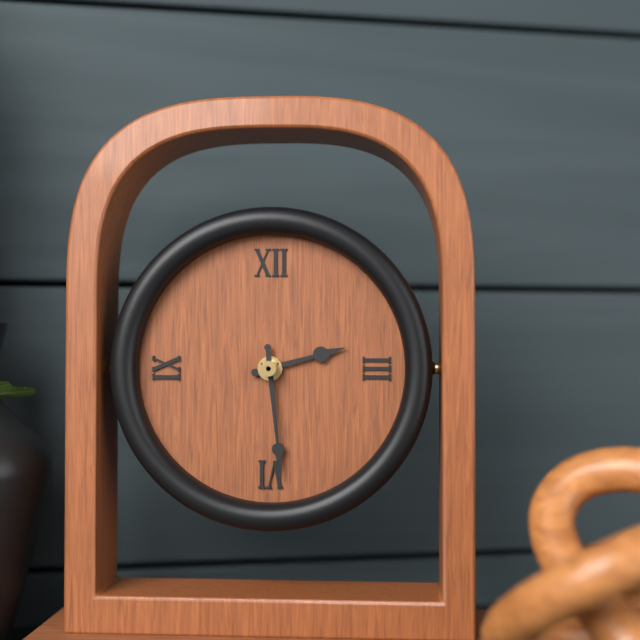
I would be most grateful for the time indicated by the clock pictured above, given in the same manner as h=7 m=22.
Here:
h=2 m=29
